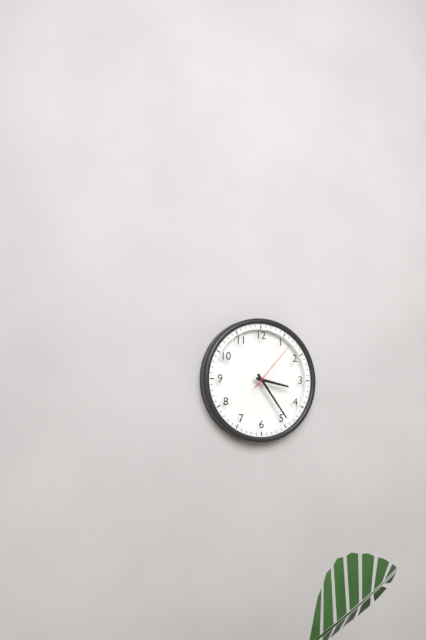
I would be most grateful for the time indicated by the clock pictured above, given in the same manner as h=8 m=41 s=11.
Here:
h=3 m=24 s=7
